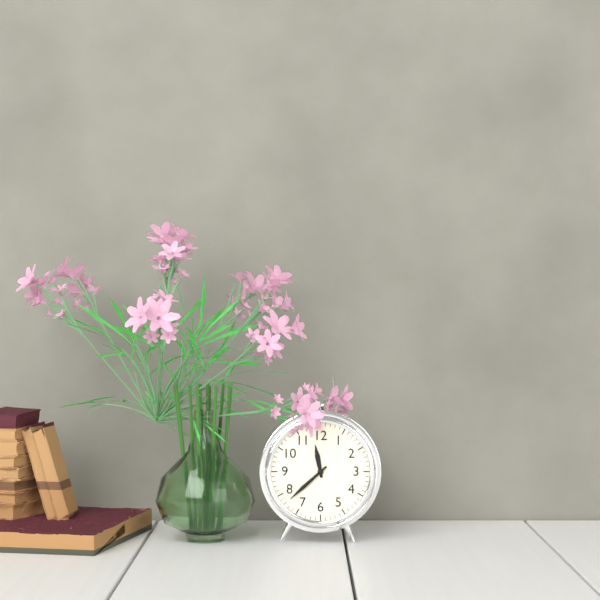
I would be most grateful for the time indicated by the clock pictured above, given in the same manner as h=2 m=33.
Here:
h=11 m=38
